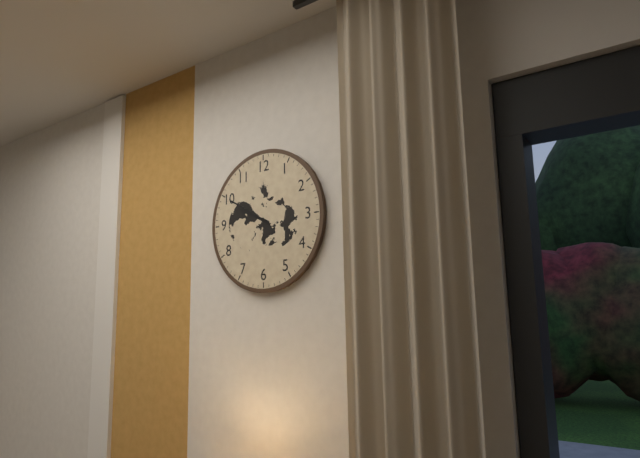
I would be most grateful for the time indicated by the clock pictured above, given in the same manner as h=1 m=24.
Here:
h=9 m=50
